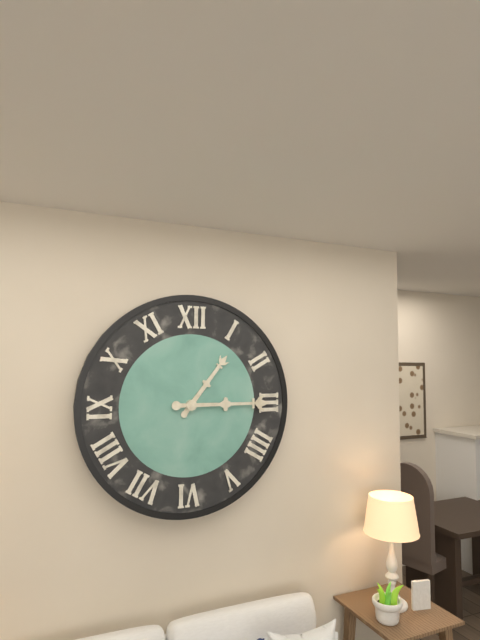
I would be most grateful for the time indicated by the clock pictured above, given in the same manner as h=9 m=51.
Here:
h=1 m=15
